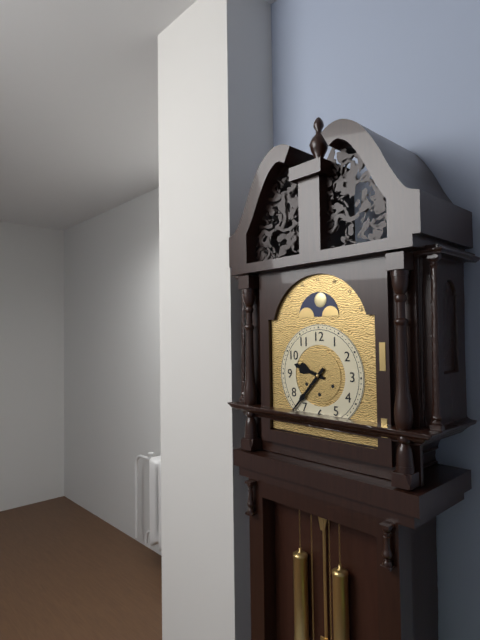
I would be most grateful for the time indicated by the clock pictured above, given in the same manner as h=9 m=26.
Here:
h=9 m=37
